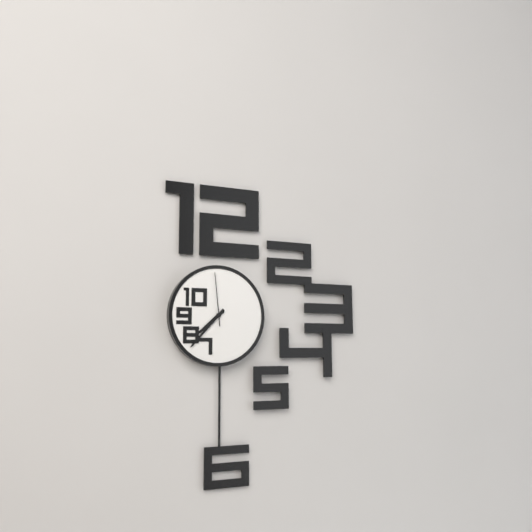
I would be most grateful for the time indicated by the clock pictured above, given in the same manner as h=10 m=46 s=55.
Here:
h=7 m=37 s=59
